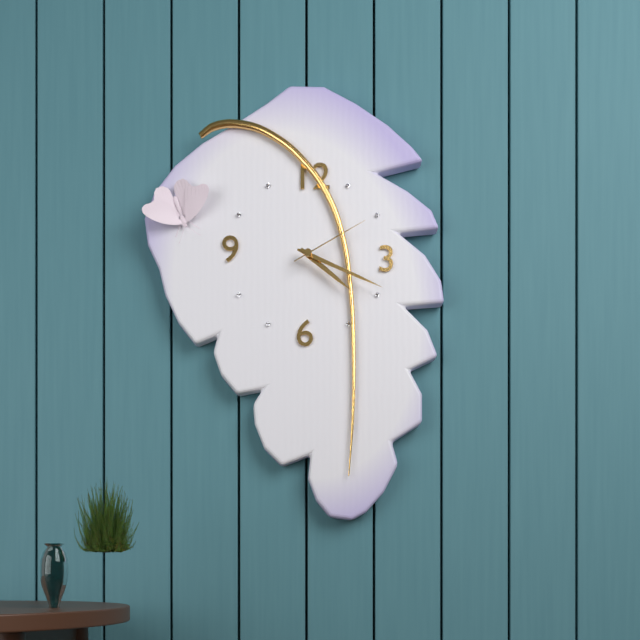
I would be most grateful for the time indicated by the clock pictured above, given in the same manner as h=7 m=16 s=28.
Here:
h=4 m=19 s=10
